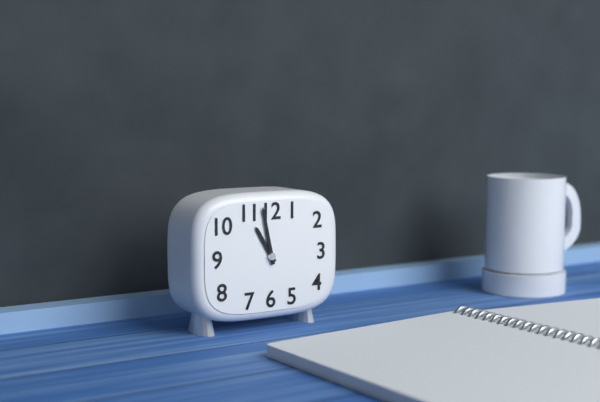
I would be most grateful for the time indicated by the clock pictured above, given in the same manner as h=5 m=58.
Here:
h=10 m=58
